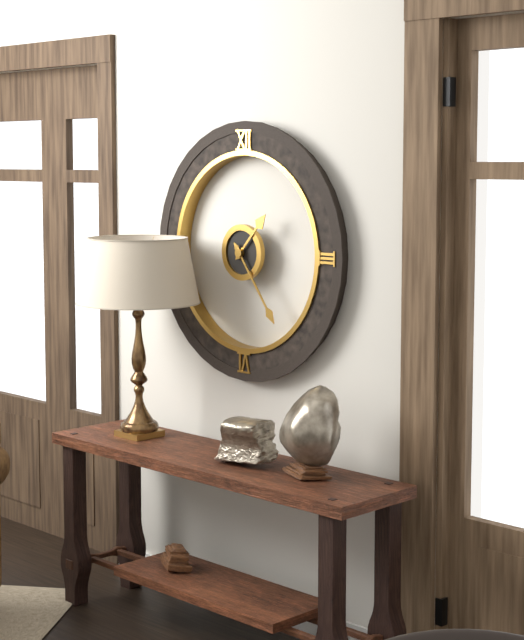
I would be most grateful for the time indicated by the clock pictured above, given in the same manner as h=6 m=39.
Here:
h=1 m=24
